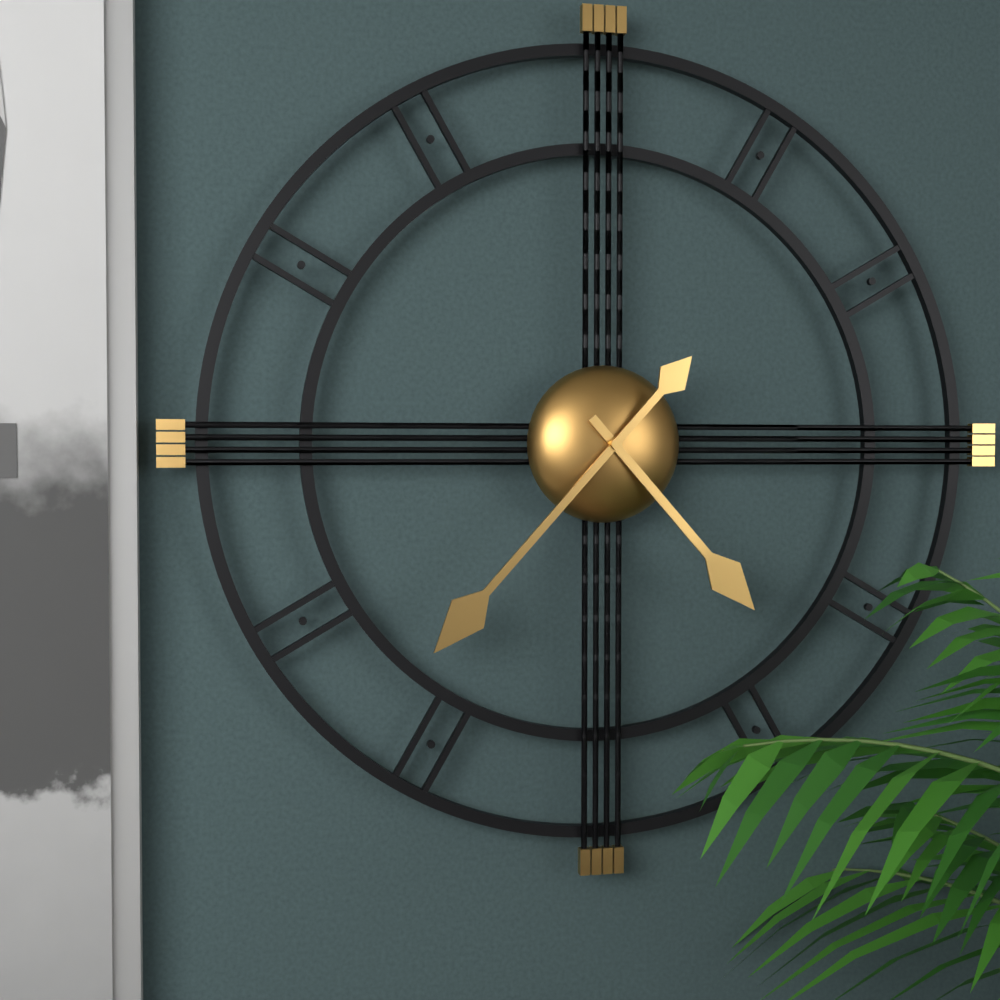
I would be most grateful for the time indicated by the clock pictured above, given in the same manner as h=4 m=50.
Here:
h=4 m=37
